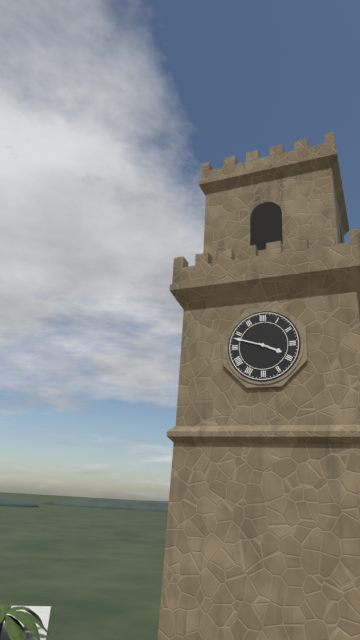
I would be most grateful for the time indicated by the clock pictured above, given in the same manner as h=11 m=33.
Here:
h=3 m=48
